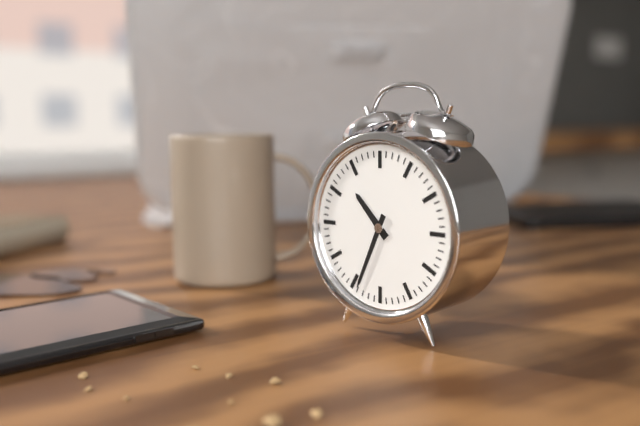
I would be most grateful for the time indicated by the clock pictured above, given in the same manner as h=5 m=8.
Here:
h=10 m=34
